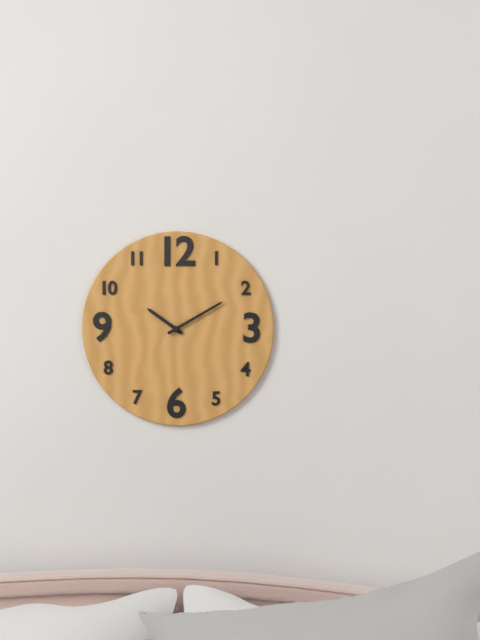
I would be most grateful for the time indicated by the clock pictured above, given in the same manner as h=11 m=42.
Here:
h=10 m=10
